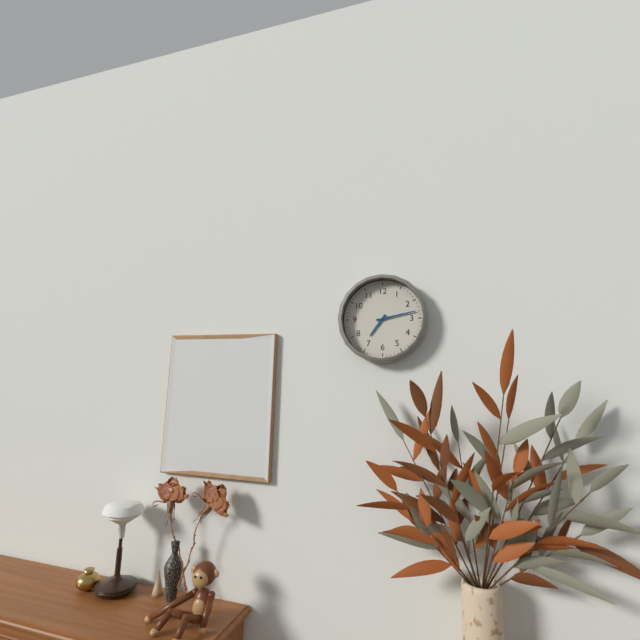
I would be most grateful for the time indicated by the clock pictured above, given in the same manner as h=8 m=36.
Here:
h=7 m=13
